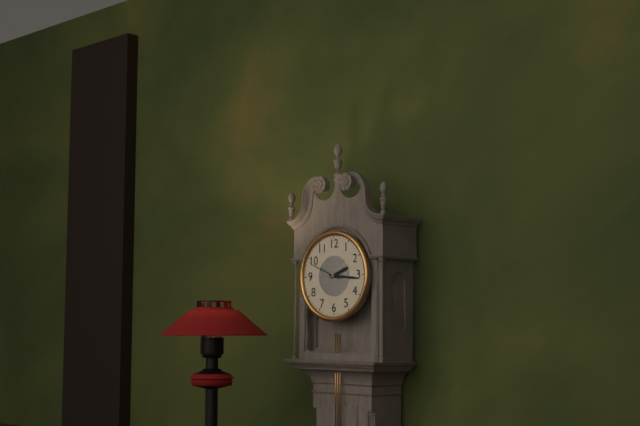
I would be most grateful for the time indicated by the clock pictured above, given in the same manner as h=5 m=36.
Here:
h=2 m=16
